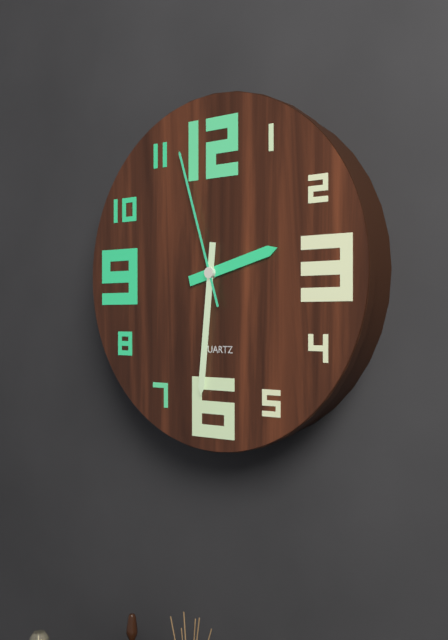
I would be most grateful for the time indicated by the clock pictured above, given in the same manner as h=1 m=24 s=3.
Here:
h=2 m=31 s=57
